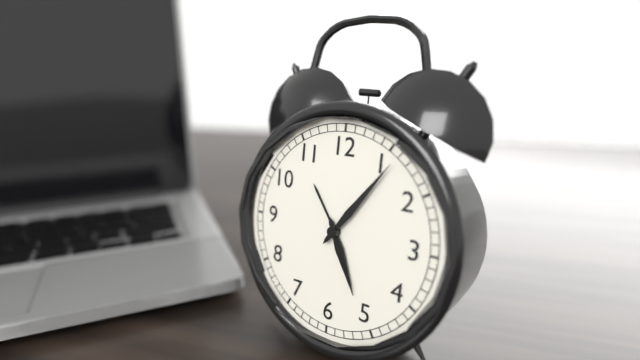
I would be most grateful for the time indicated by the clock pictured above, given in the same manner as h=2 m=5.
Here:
h=5 m=6
